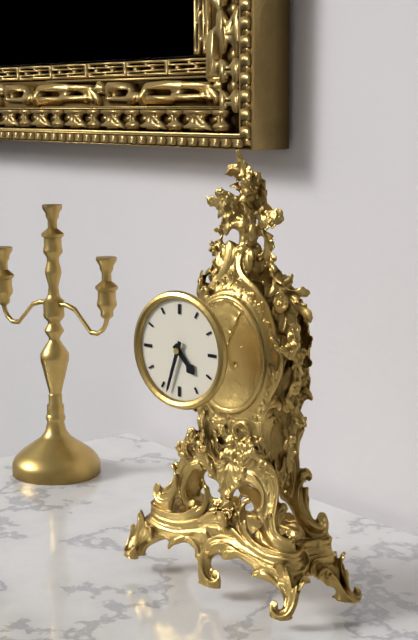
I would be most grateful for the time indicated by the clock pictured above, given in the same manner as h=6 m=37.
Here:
h=4 m=33
